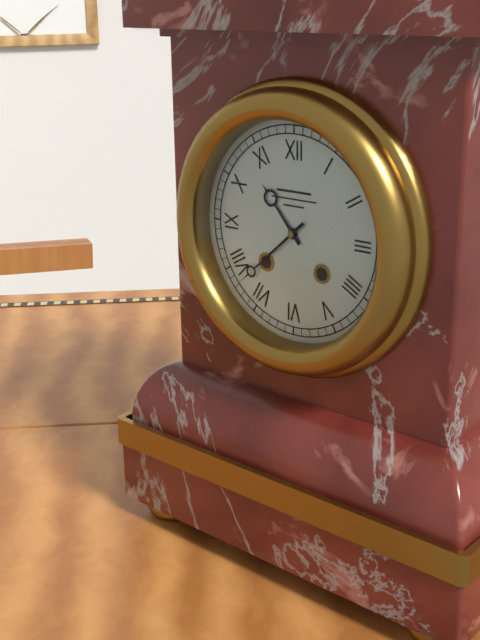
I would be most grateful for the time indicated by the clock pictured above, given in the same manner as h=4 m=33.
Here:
h=10 m=38
